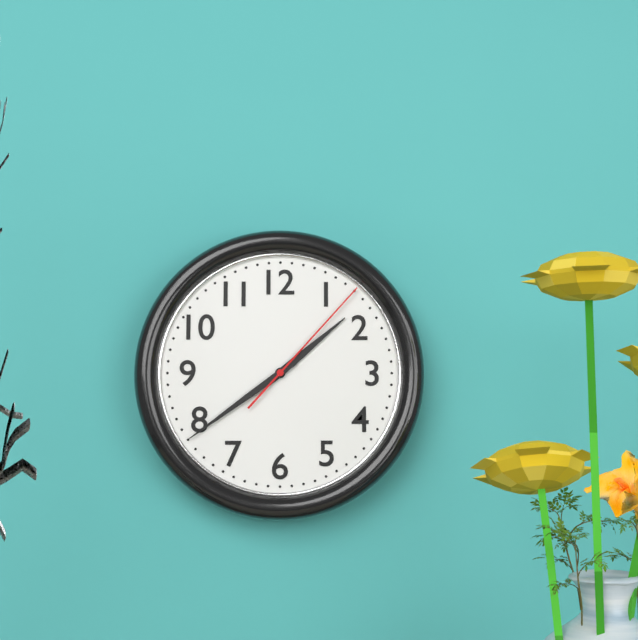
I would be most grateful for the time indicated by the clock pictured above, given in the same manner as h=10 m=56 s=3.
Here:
h=1 m=39 s=7
